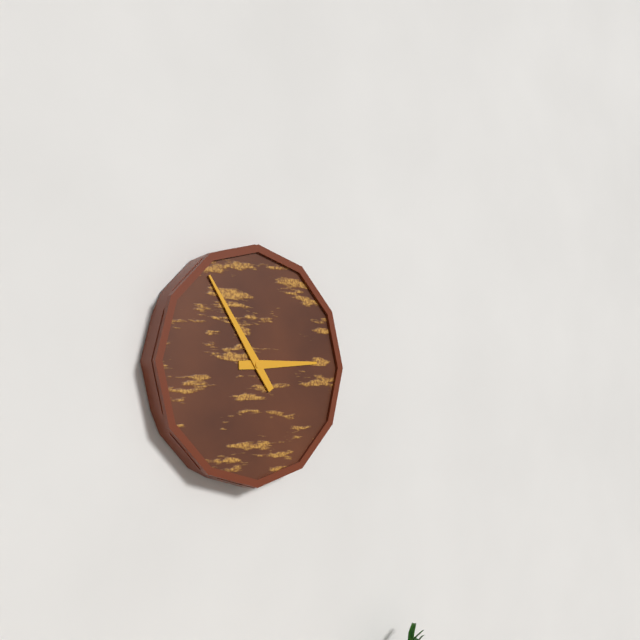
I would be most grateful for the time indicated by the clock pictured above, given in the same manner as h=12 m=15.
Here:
h=2 m=54
